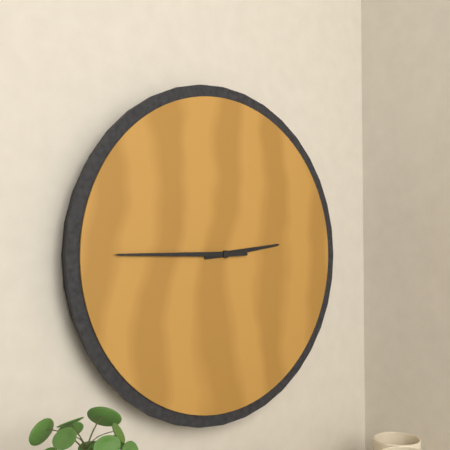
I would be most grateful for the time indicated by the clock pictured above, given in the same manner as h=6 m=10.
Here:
h=2 m=45
